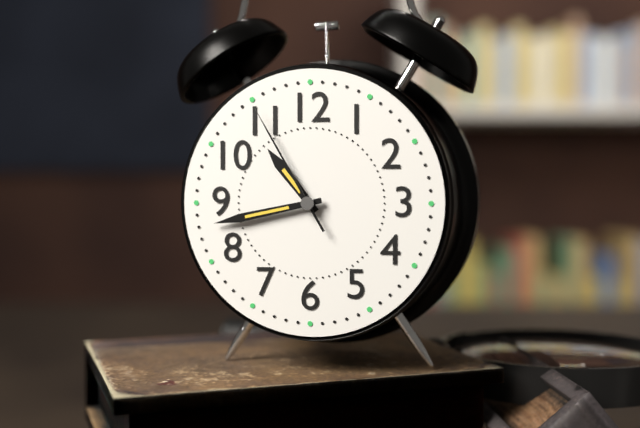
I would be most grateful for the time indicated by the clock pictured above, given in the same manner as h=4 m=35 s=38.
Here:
h=10 m=43 s=55
